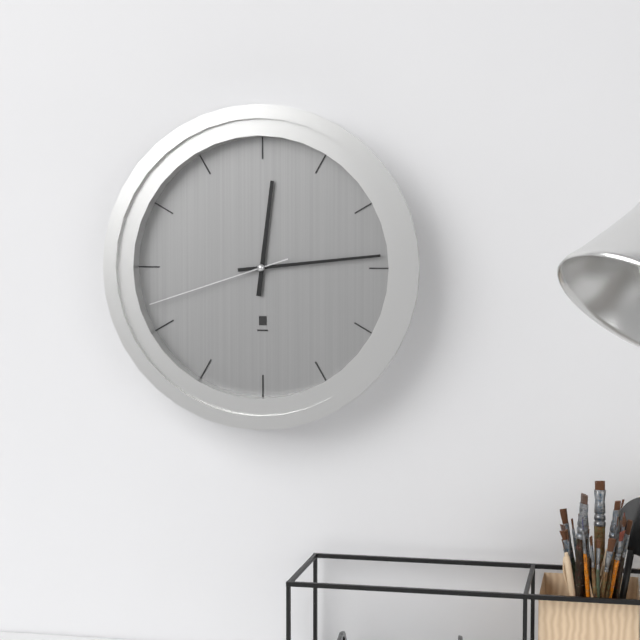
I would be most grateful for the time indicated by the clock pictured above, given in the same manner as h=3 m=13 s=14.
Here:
h=12 m=14 s=42
